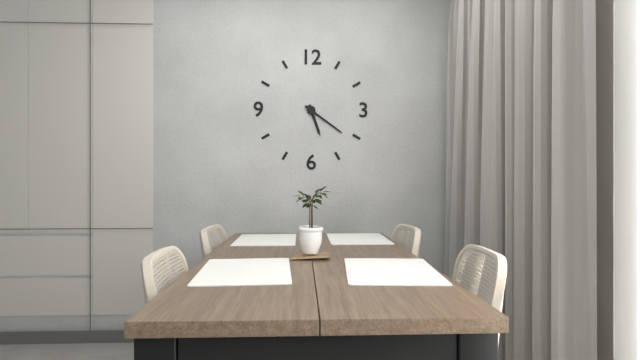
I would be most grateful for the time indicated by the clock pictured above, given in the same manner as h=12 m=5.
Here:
h=5 m=21
